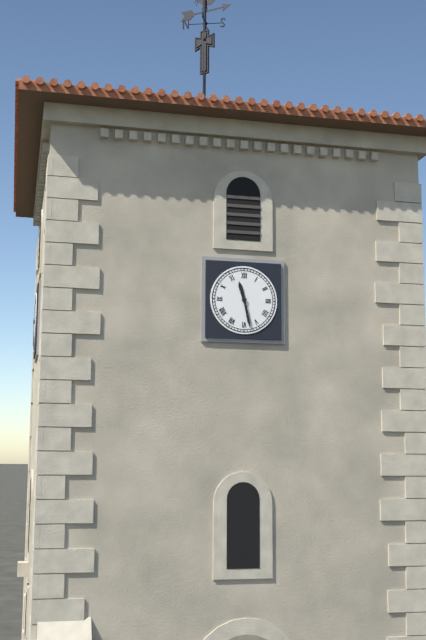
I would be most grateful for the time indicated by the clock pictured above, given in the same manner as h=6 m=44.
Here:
h=11 m=28
